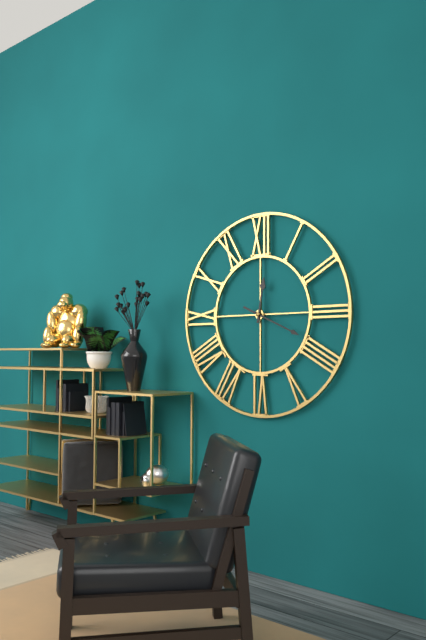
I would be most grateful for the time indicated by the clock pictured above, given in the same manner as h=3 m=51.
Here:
h=12 m=19
